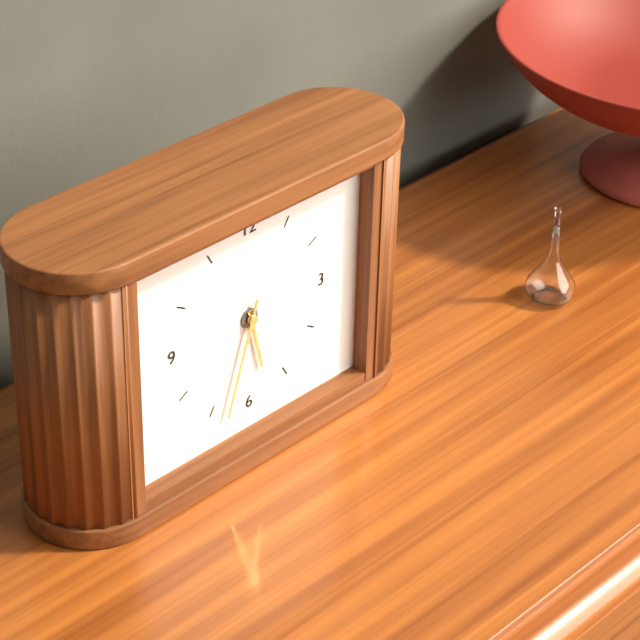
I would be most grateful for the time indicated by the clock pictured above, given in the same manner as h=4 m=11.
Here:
h=5 m=33
